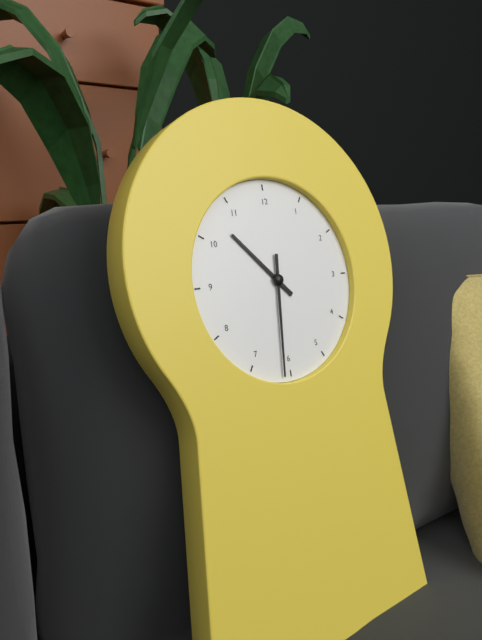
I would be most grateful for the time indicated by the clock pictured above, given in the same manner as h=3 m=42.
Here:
h=10 m=31
